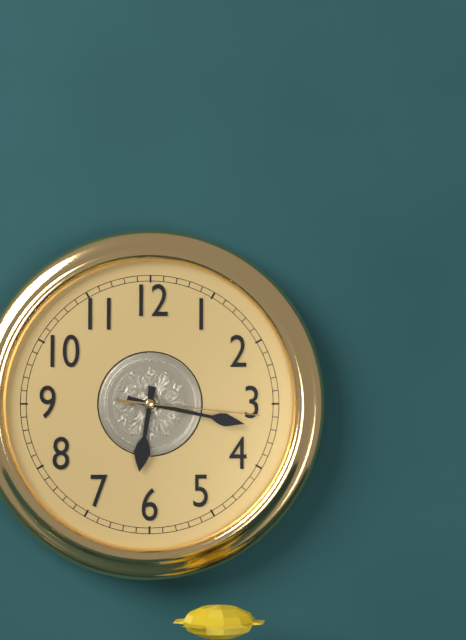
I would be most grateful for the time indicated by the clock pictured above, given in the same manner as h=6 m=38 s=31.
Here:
h=6 m=17 s=16
